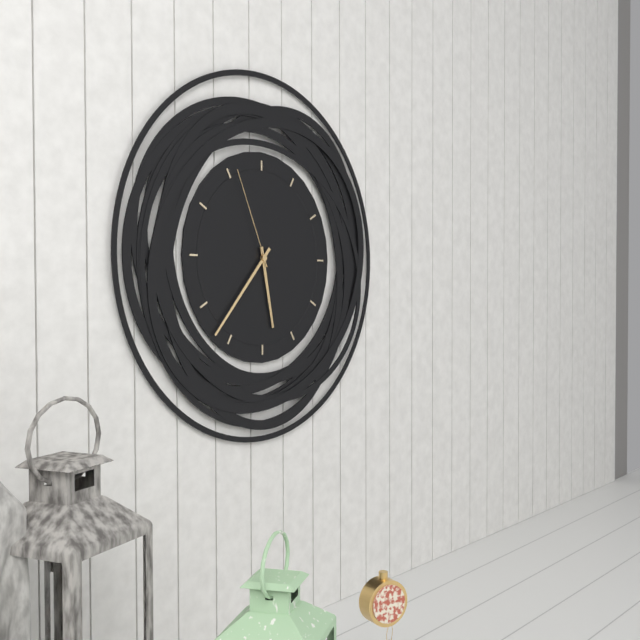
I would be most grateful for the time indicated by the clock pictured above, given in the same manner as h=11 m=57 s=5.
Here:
h=5 m=37 s=56
